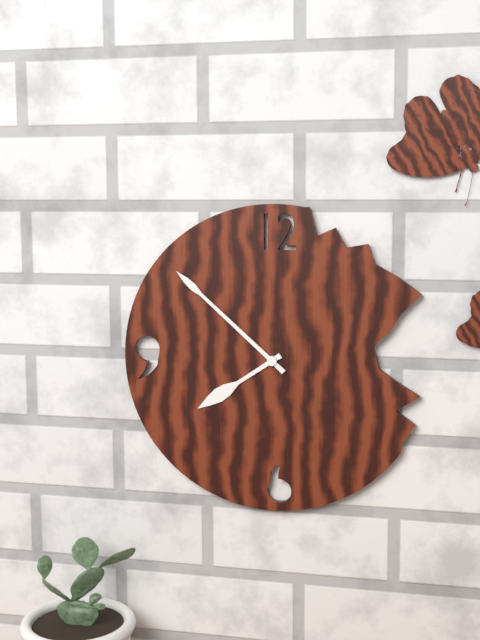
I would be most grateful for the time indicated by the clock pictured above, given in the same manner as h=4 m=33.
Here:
h=7 m=52
